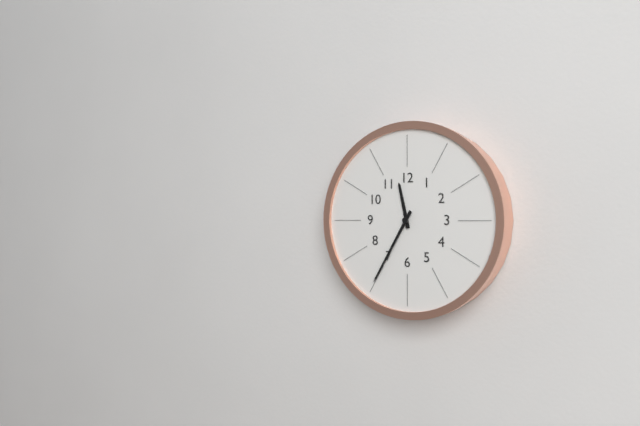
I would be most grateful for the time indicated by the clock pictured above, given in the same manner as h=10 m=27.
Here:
h=11 m=35
